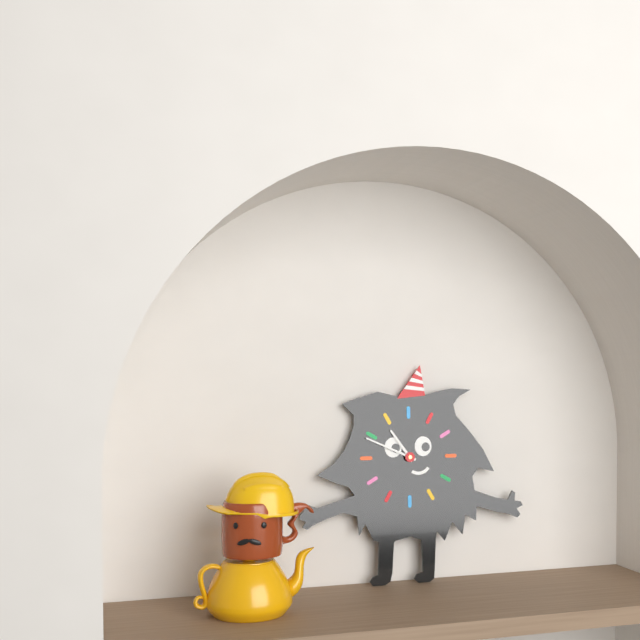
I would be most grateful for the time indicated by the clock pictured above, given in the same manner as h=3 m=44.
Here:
h=10 m=49
